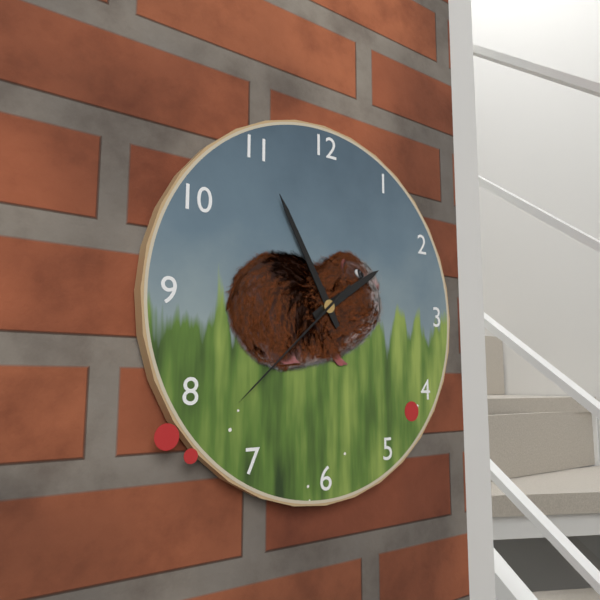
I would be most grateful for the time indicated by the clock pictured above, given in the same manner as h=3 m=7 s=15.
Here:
h=1 m=55 s=38
